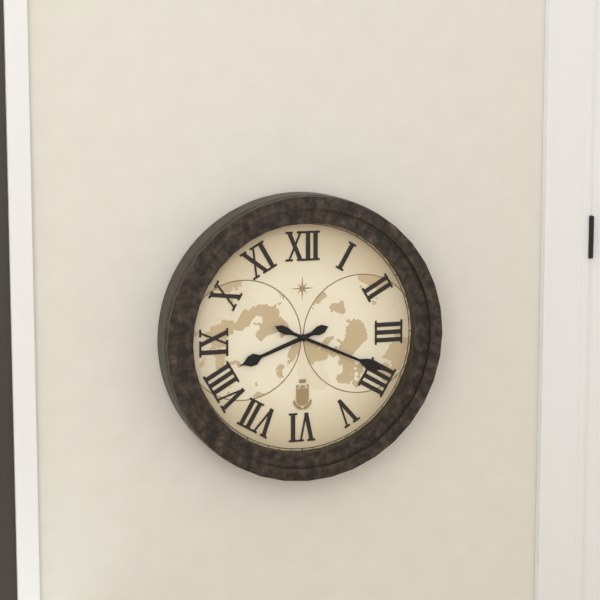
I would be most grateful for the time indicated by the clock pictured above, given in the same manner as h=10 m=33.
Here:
h=8 m=19
